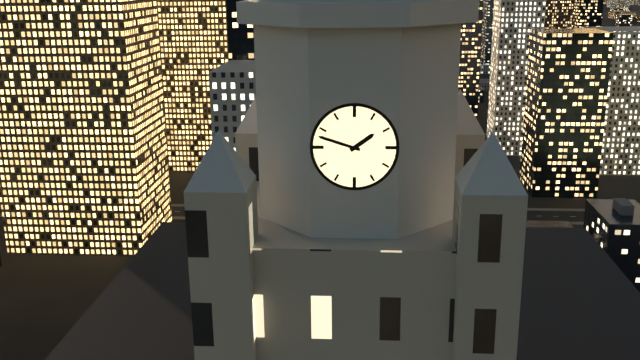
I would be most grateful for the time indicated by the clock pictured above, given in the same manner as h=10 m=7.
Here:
h=1 m=48
